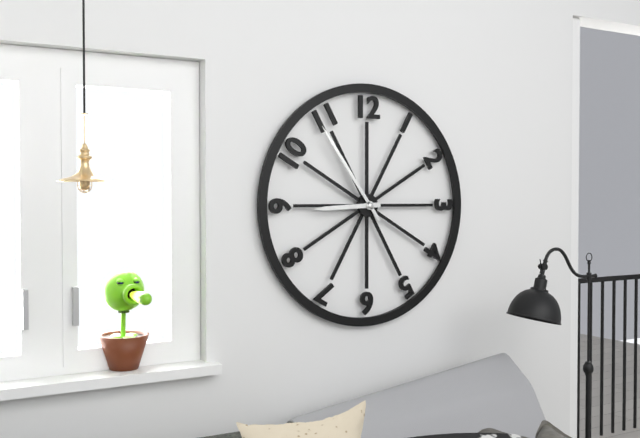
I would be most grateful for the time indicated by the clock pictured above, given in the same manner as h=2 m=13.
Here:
h=8 m=54
